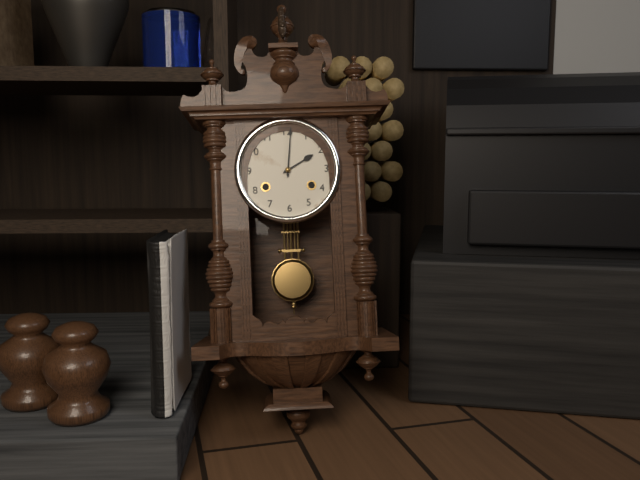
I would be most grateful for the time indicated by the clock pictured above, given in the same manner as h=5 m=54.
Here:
h=2 m=1
